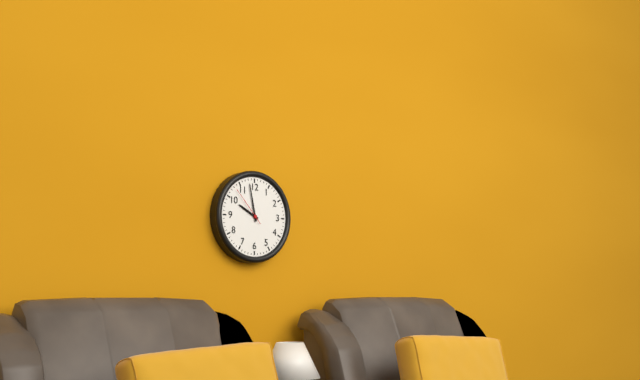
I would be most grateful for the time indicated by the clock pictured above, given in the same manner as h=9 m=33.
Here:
h=9 m=58
